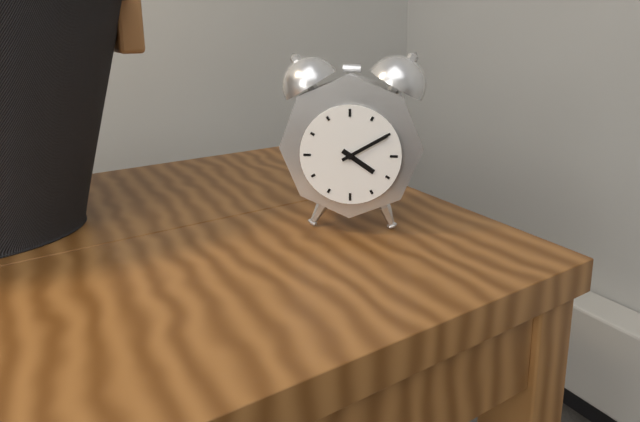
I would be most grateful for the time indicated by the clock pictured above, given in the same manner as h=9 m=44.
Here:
h=4 m=10
